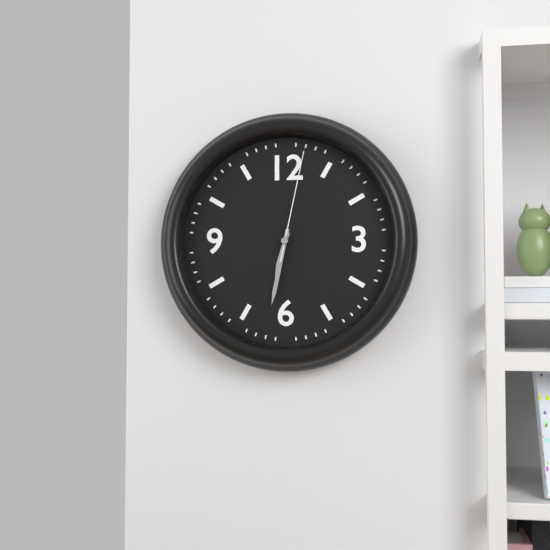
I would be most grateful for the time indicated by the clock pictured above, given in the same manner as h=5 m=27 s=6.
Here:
h=6 m=32 s=2
